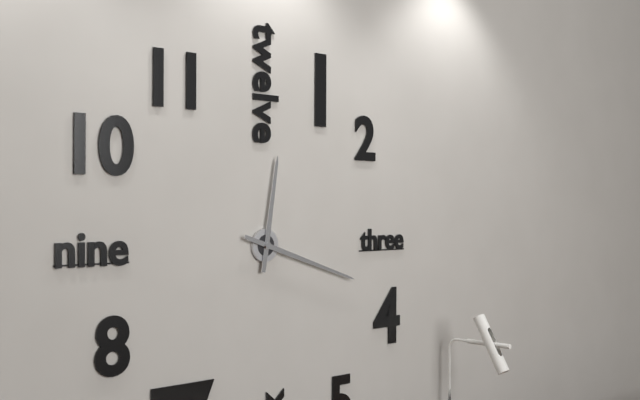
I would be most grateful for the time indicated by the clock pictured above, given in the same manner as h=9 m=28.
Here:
h=12 m=18
